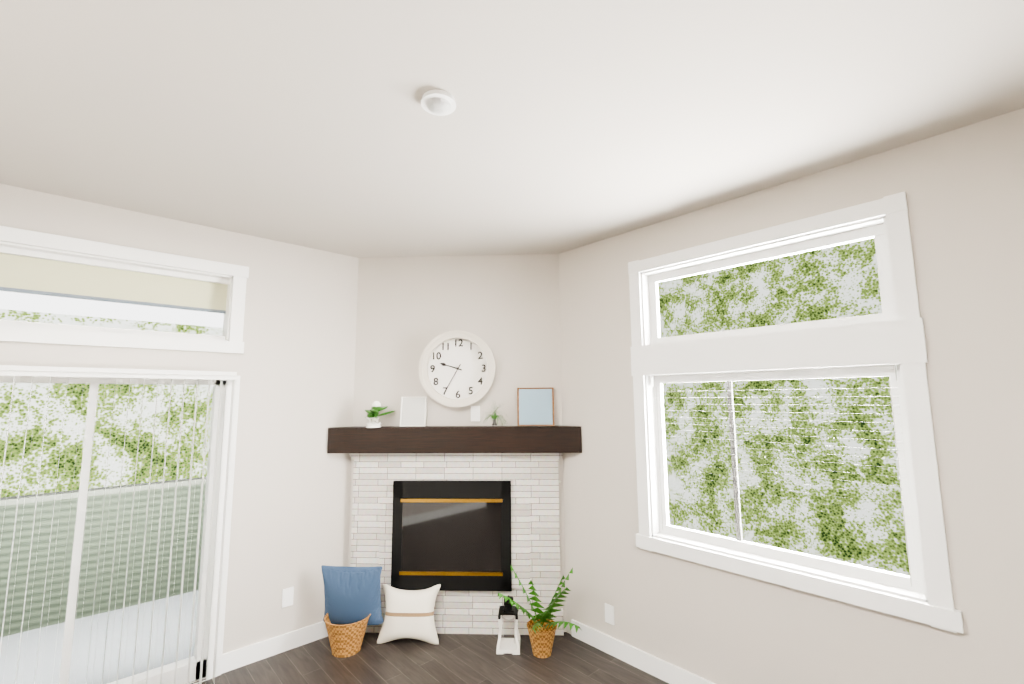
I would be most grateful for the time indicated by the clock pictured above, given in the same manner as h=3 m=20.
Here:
h=9 m=35
